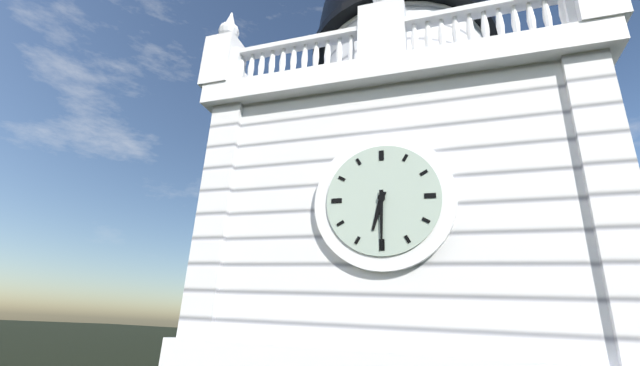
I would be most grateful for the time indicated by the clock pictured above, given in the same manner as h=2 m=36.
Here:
h=6 m=30
